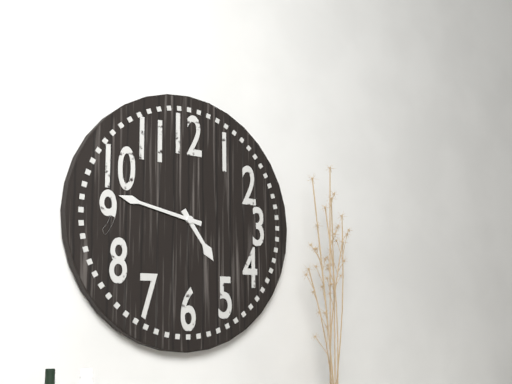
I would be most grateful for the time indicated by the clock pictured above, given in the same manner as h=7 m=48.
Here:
h=4 m=47
